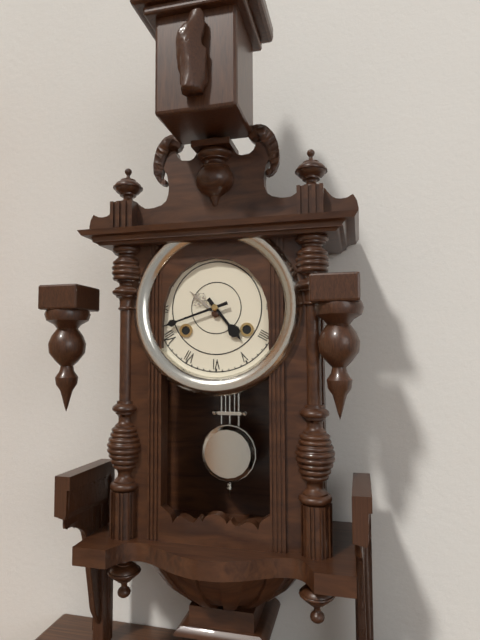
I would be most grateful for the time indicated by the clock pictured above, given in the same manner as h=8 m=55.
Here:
h=4 m=42
